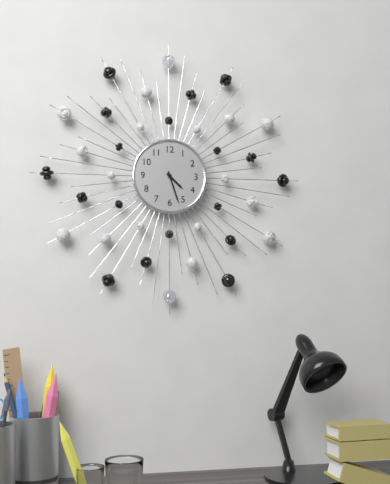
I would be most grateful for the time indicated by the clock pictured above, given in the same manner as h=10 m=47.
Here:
h=4 m=27
